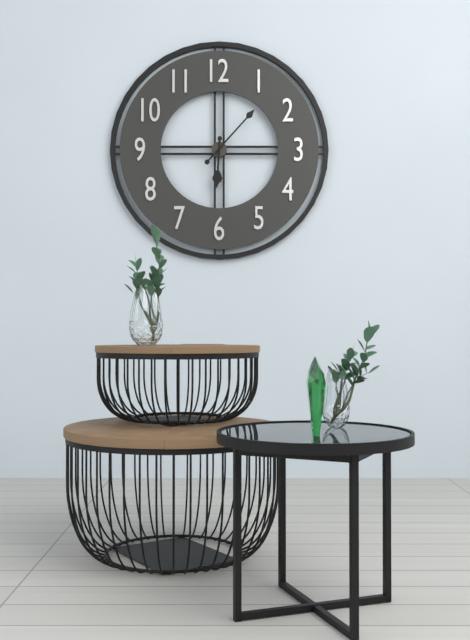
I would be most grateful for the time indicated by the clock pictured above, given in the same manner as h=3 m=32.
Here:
h=6 m=7
